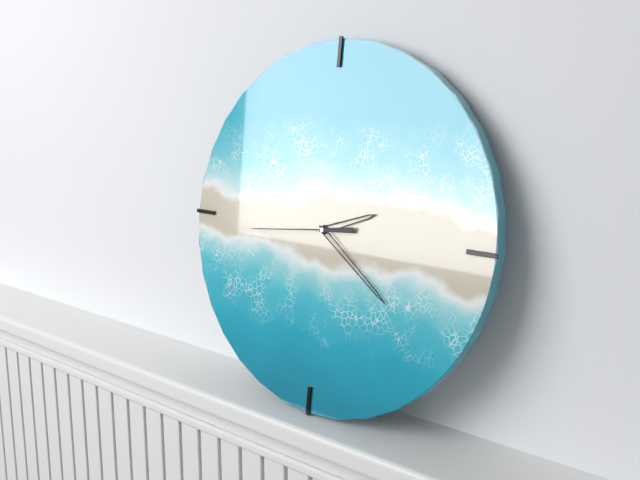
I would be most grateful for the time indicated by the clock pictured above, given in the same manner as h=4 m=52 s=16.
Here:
h=2 m=21 s=44
